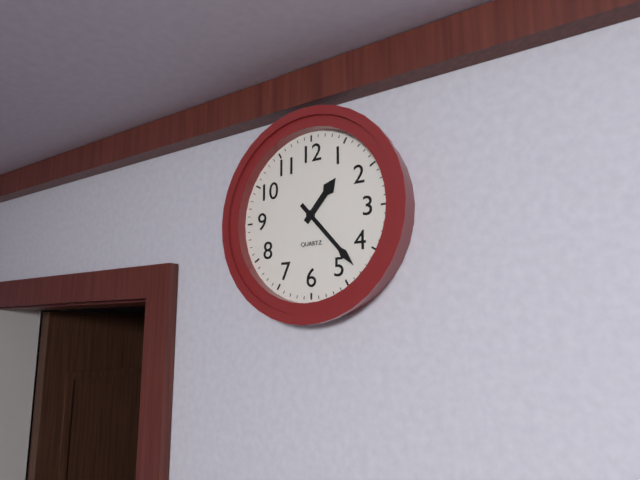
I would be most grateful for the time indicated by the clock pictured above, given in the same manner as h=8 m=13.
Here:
h=1 m=23
